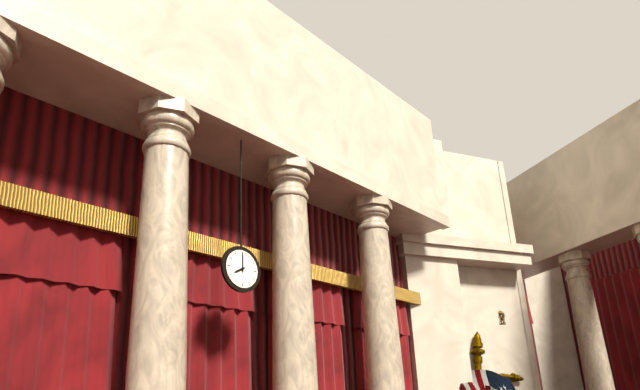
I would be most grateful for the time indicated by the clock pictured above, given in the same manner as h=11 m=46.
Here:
h=8 m=0
